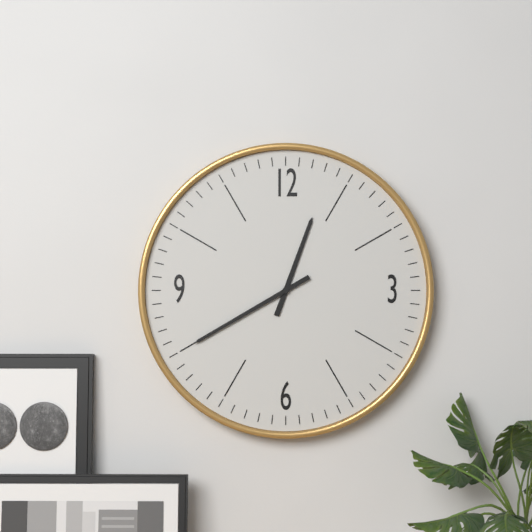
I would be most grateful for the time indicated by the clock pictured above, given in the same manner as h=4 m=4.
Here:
h=12 m=40
